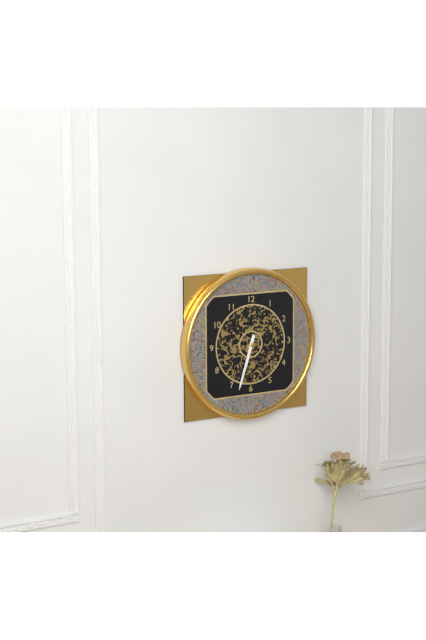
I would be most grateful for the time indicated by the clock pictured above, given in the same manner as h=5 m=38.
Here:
h=6 m=33
